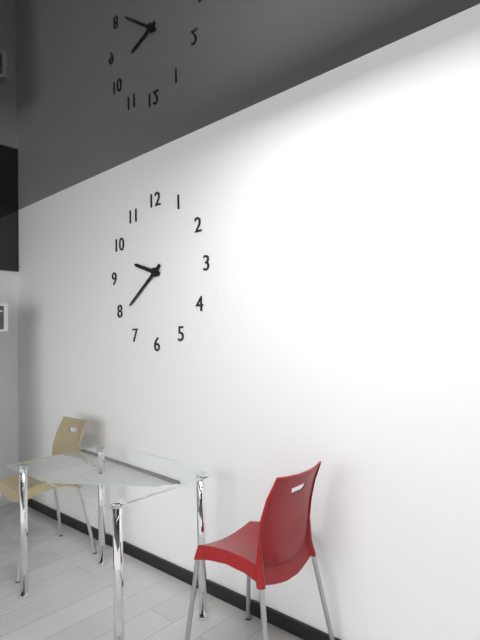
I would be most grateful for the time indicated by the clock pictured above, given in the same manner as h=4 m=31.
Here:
h=9 m=39
